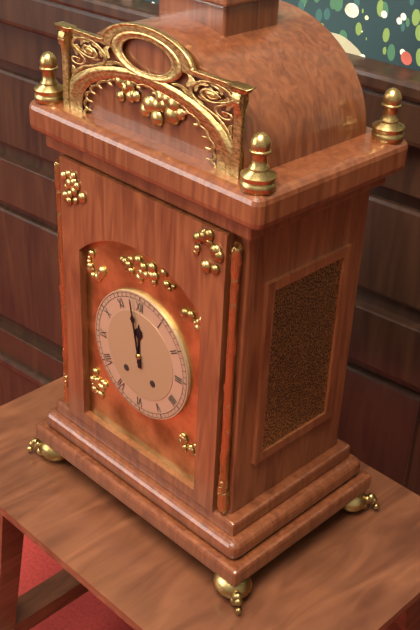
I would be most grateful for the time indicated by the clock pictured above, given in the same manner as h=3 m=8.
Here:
h=11 m=58
